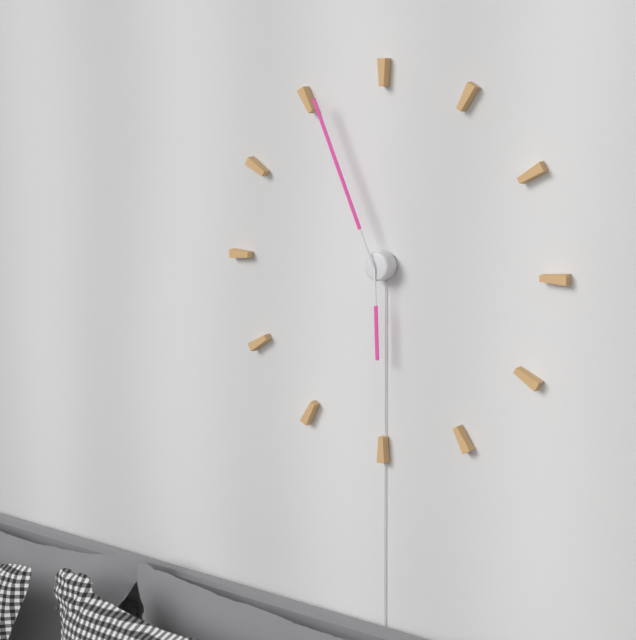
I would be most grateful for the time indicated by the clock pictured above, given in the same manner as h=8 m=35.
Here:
h=5 m=56
